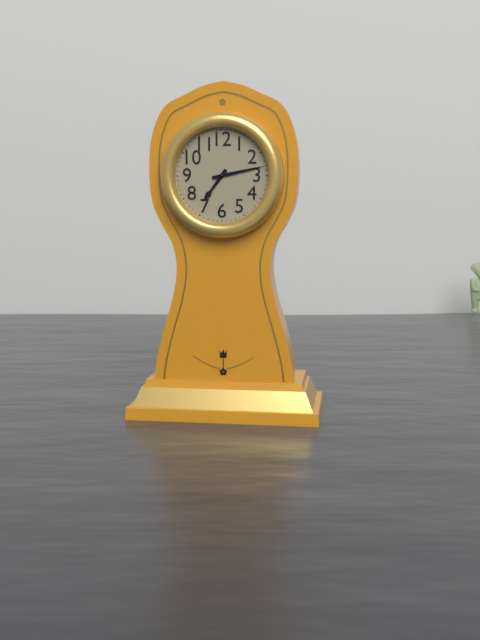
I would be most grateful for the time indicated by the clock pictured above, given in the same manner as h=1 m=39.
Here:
h=7 m=13
